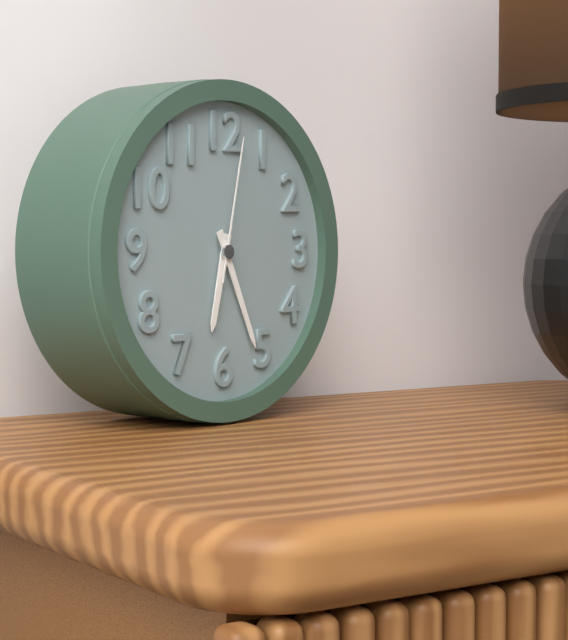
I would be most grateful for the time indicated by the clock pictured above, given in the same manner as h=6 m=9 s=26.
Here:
h=6 m=26 s=2
